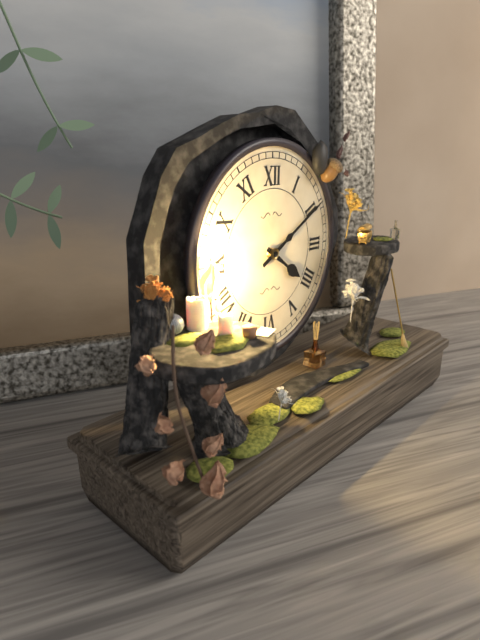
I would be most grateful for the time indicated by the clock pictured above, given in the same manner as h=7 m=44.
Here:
h=4 m=10
